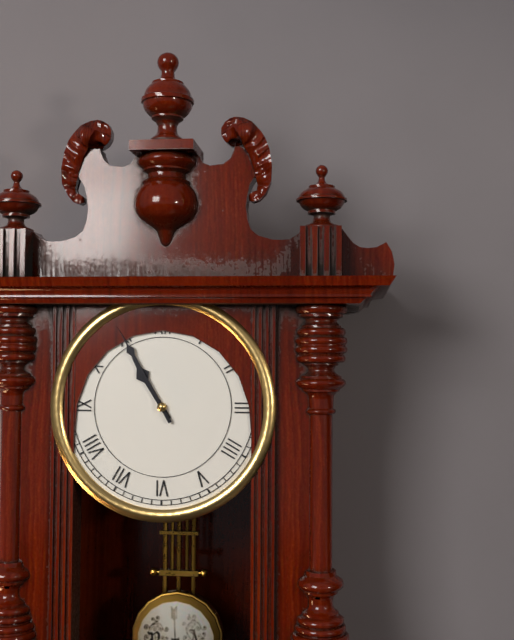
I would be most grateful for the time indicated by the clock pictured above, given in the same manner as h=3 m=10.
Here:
h=10 m=55
